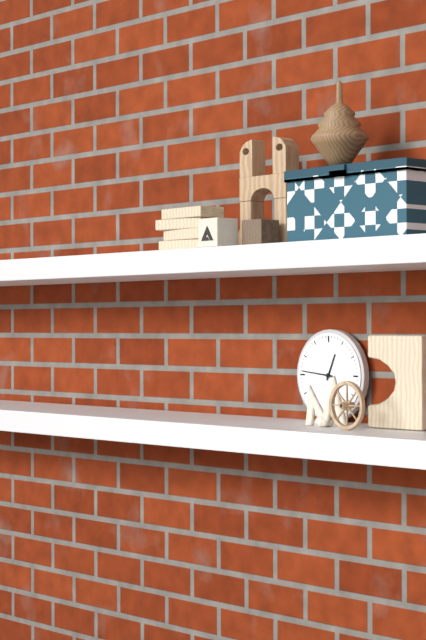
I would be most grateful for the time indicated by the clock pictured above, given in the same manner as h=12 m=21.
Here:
h=12 m=46
